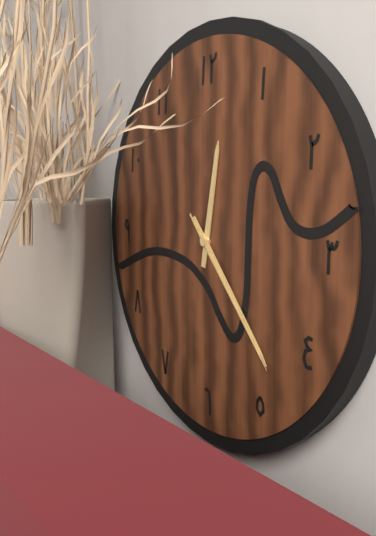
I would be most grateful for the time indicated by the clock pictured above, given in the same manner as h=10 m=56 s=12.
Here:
h=12 m=23 s=23
